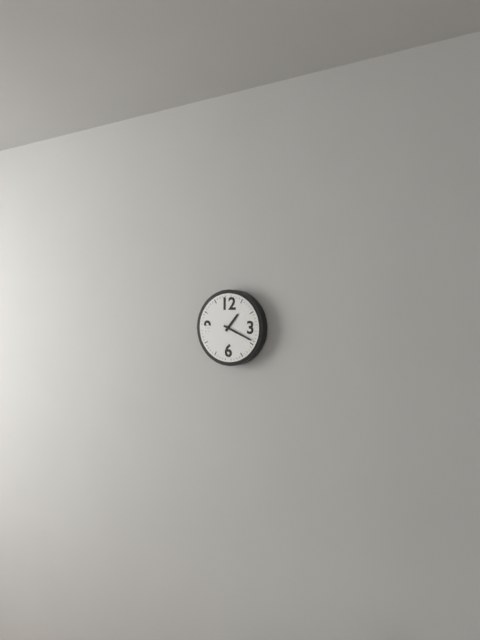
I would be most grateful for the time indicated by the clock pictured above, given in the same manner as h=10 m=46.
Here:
h=1 m=19
